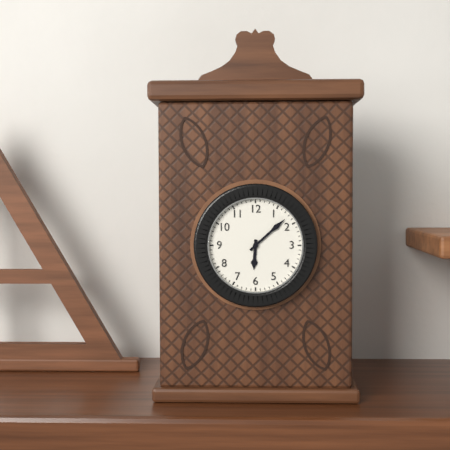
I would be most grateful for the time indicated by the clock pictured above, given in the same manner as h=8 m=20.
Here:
h=6 m=8
